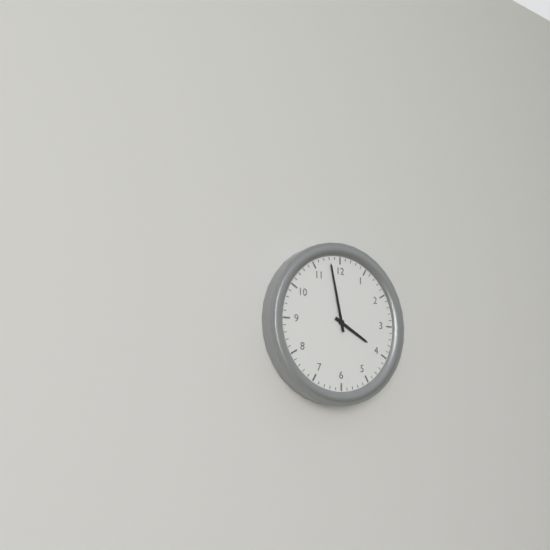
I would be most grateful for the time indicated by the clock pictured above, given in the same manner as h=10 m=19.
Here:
h=3 m=58
